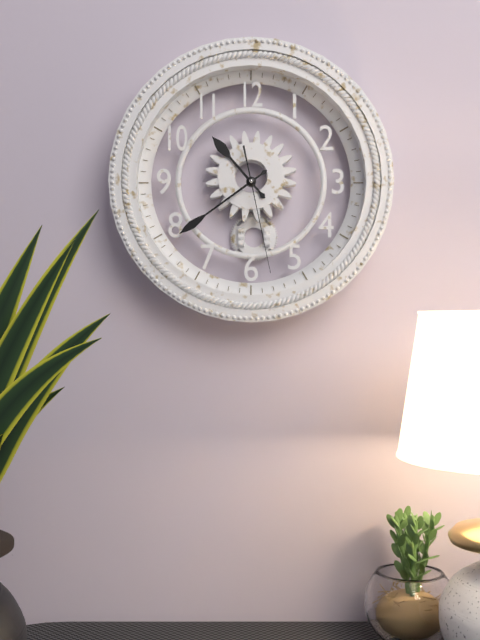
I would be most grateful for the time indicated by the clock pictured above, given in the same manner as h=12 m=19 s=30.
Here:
h=10 m=39 s=28
